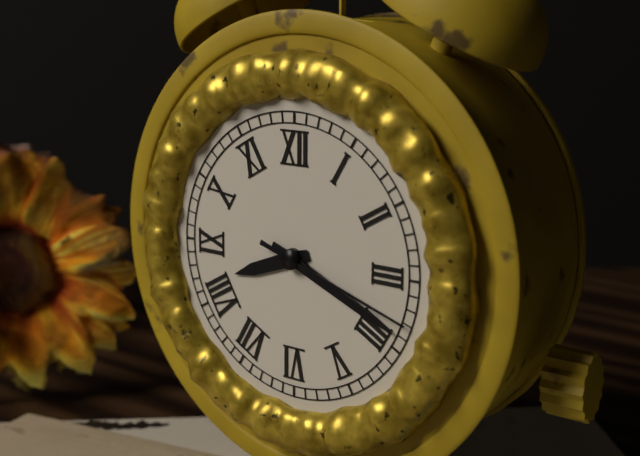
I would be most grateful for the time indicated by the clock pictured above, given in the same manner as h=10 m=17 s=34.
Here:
h=8 m=19 s=18
